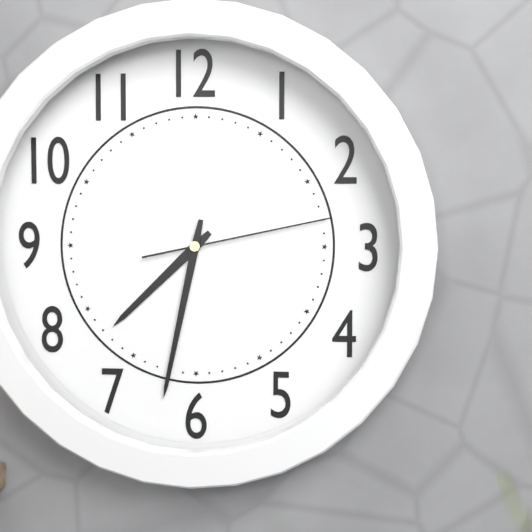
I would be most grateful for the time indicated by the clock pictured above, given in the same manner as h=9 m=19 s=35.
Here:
h=7 m=32 s=13
